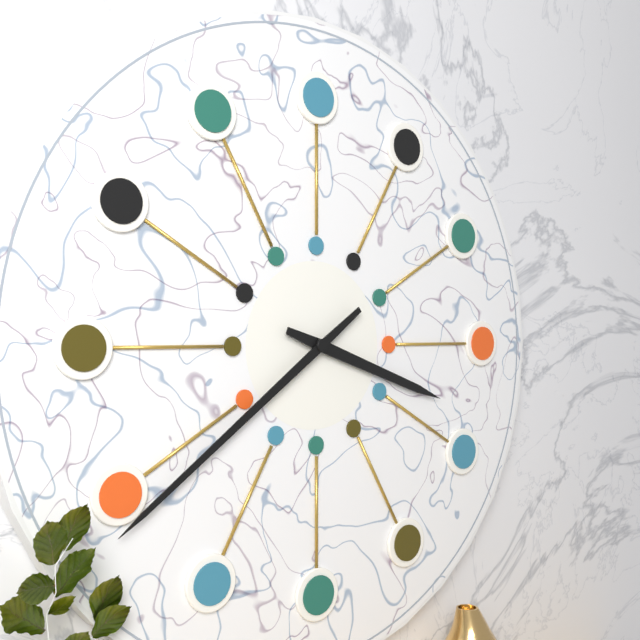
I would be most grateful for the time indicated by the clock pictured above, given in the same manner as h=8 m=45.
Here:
h=3 m=39
